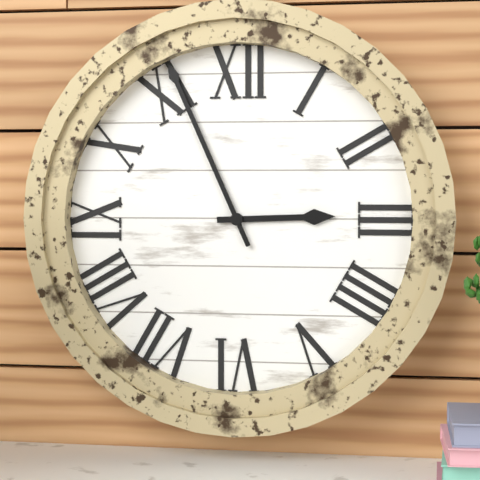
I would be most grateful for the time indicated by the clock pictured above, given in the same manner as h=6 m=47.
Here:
h=2 m=56
